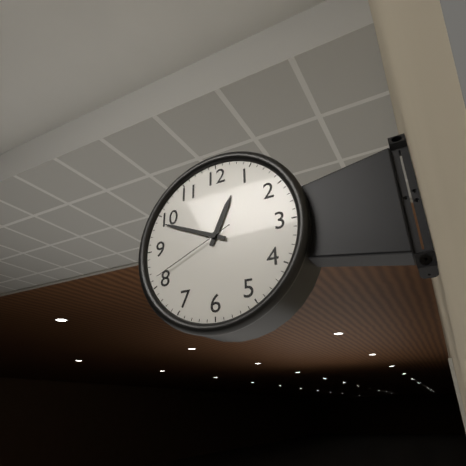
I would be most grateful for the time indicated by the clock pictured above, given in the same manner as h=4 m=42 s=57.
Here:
h=12 m=49 s=41
